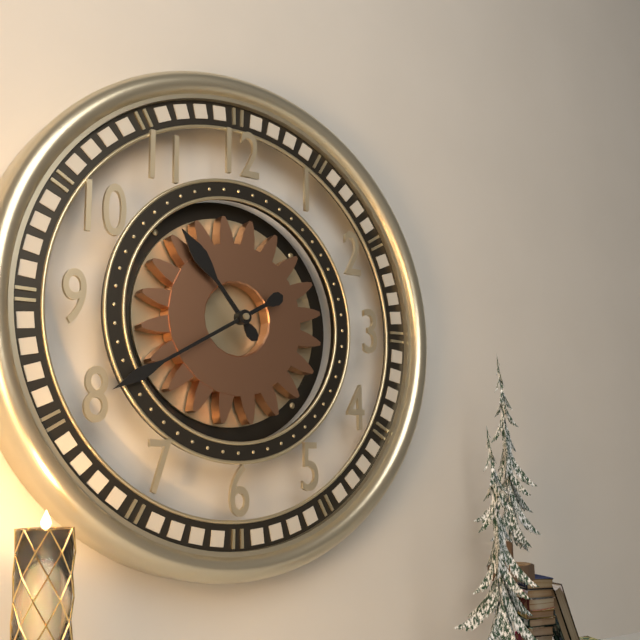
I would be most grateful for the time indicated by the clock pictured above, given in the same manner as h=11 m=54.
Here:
h=10 m=40
